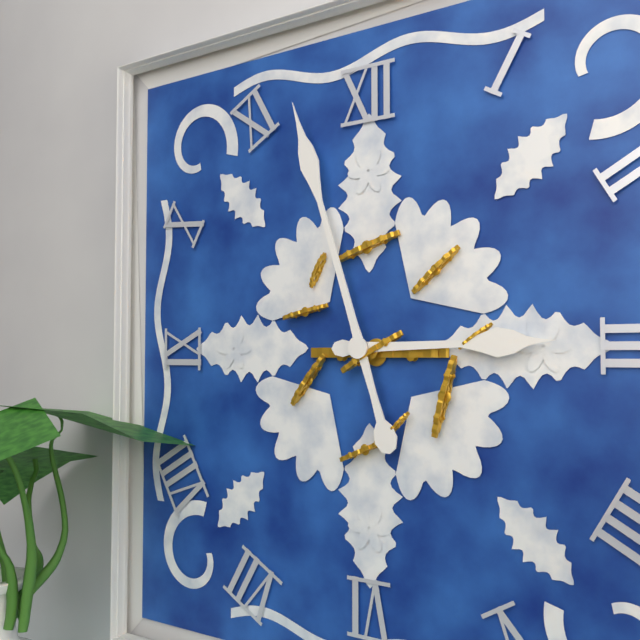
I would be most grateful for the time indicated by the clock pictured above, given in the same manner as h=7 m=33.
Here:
h=2 m=57
